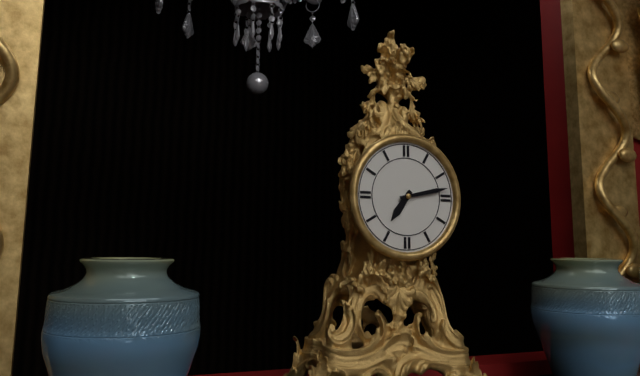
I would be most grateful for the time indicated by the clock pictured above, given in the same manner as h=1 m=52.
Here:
h=7 m=13
